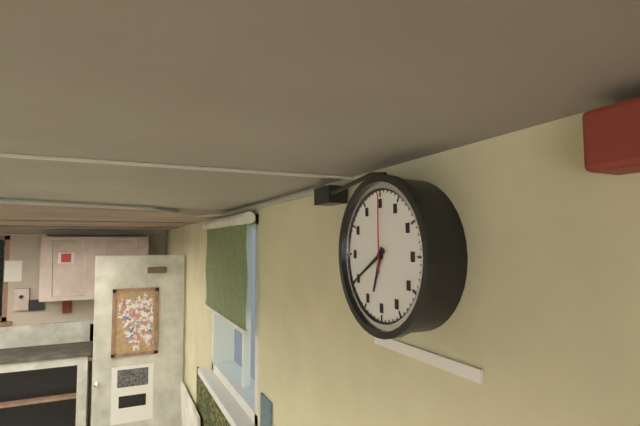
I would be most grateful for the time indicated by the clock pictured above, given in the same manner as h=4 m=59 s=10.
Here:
h=6 m=40 s=0
